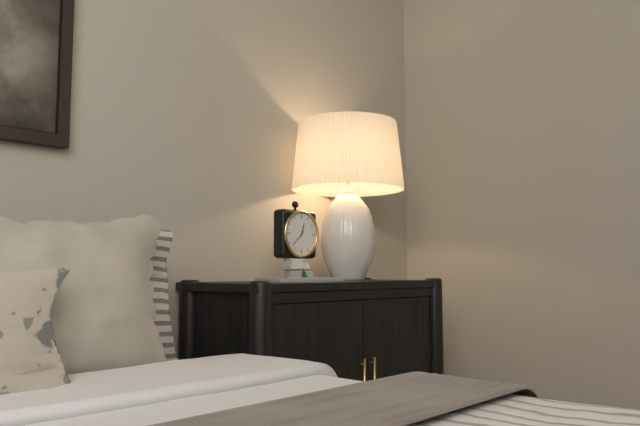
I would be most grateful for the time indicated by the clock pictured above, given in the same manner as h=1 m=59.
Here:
h=12 m=38
